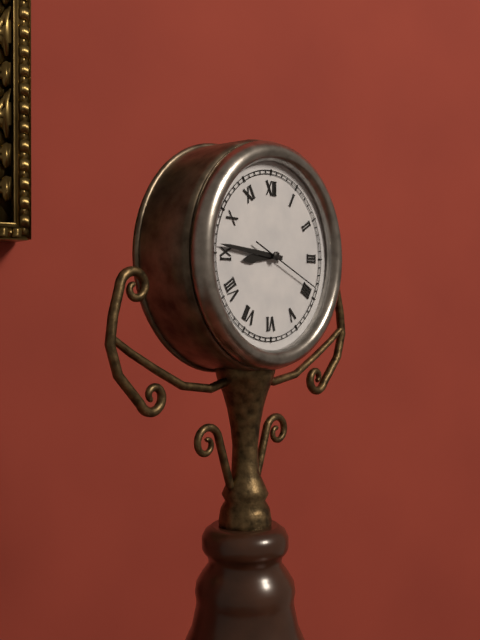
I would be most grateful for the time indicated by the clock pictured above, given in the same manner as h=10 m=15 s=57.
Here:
h=8 m=46 s=19
